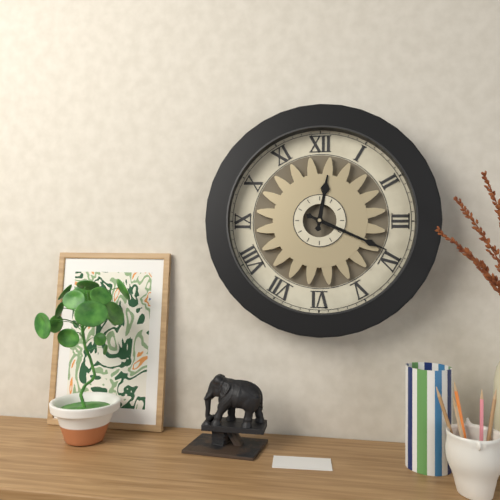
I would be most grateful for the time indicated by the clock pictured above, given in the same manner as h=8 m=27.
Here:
h=12 m=19
